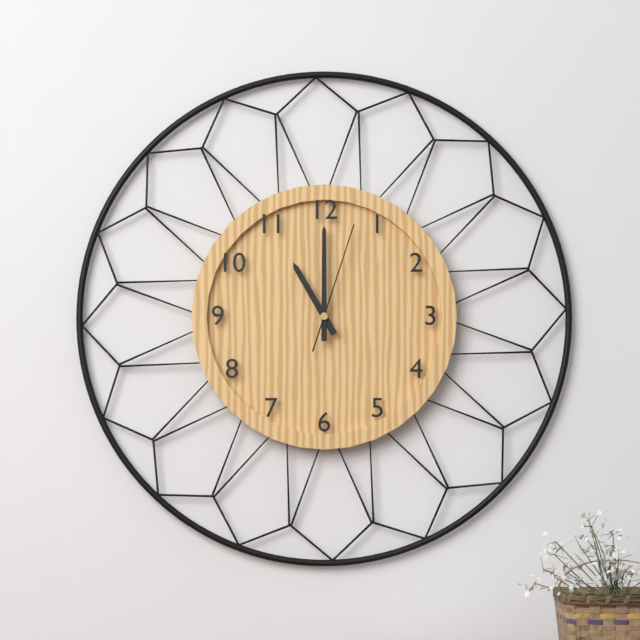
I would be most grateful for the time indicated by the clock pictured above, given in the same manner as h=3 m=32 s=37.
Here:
h=11 m=0 s=3
